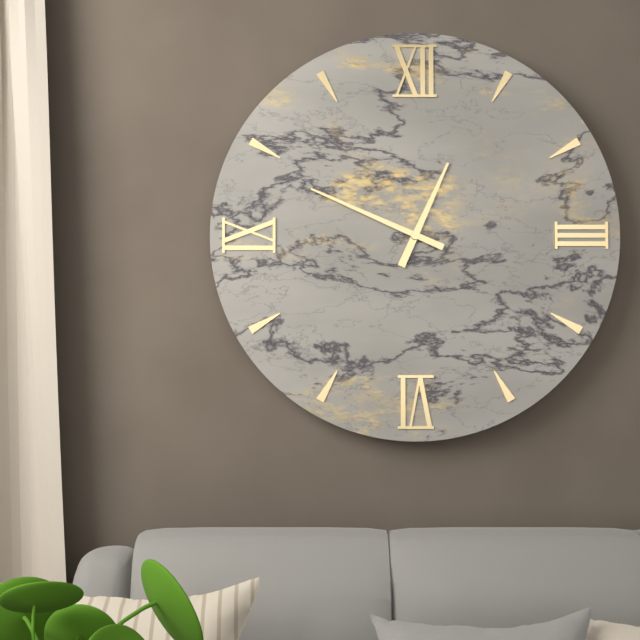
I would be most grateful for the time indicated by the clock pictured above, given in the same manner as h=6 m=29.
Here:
h=12 m=49
